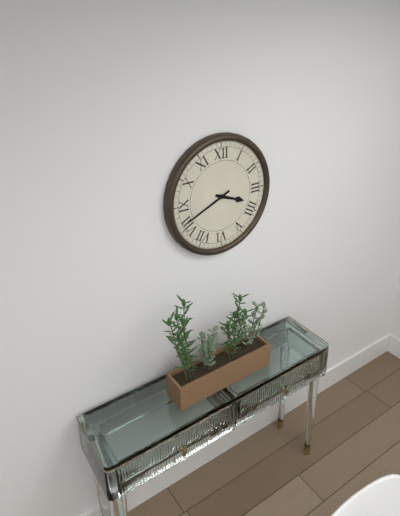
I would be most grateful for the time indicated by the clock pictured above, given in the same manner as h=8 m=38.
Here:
h=3 m=41
